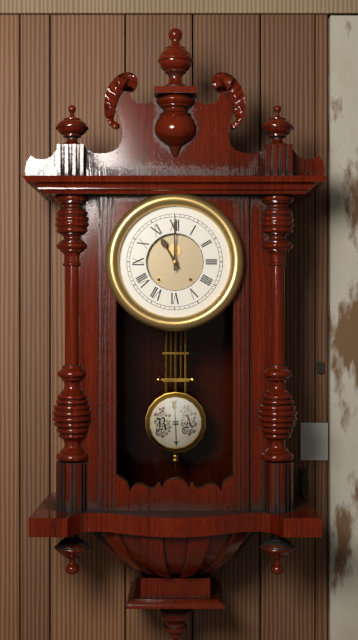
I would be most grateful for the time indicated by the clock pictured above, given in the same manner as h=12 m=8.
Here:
h=11 m=0
